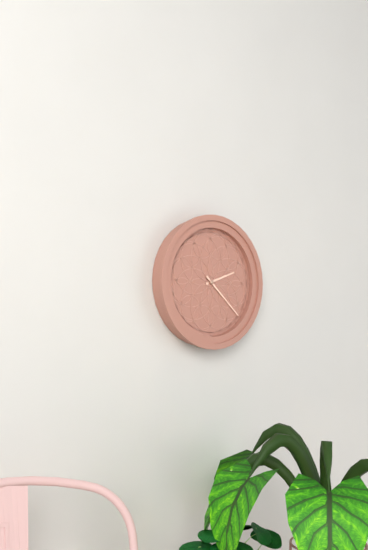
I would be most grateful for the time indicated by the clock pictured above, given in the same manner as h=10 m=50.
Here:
h=2 m=22
